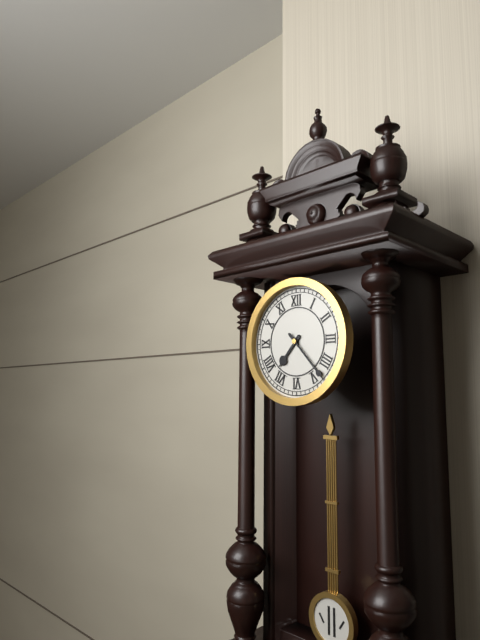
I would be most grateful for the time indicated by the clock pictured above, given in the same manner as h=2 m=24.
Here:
h=7 m=23
